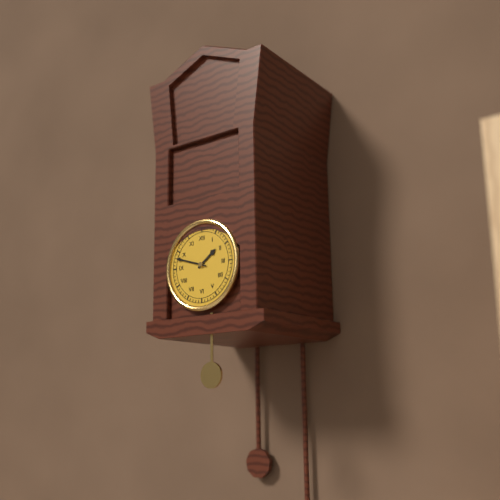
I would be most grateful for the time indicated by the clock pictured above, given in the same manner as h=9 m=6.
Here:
h=1 m=48
